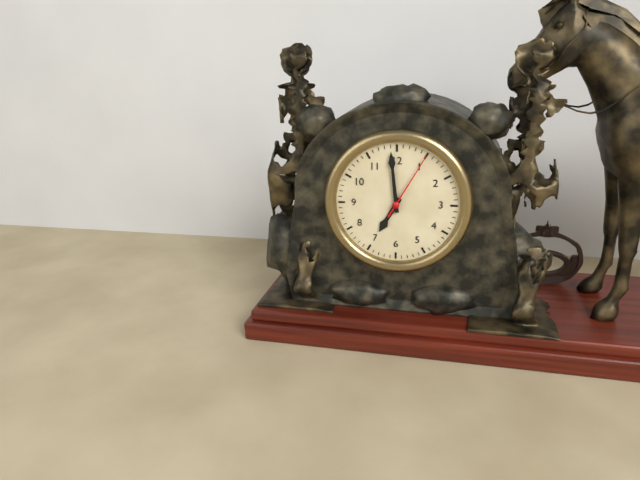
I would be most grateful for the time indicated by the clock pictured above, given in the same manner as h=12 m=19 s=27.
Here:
h=6 m=59 s=5
